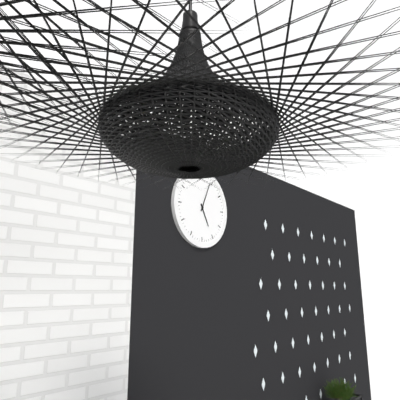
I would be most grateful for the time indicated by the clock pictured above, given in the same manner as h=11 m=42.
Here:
h=5 m=4
